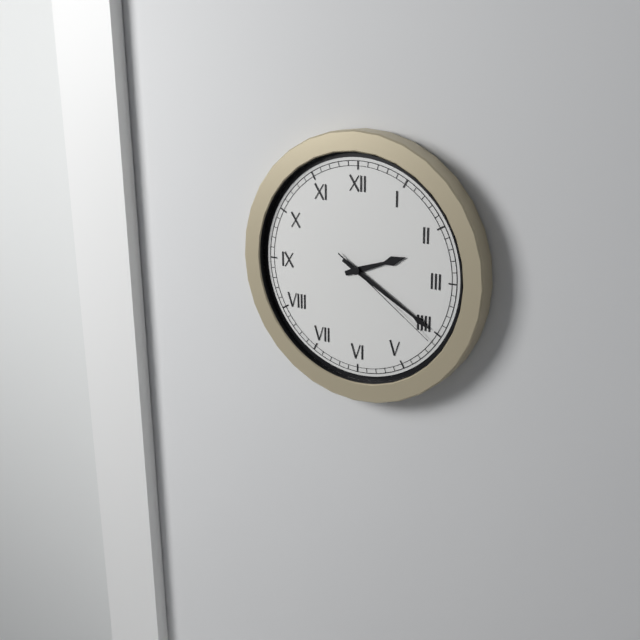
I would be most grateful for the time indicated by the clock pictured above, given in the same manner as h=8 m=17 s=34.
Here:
h=2 m=20 s=21
